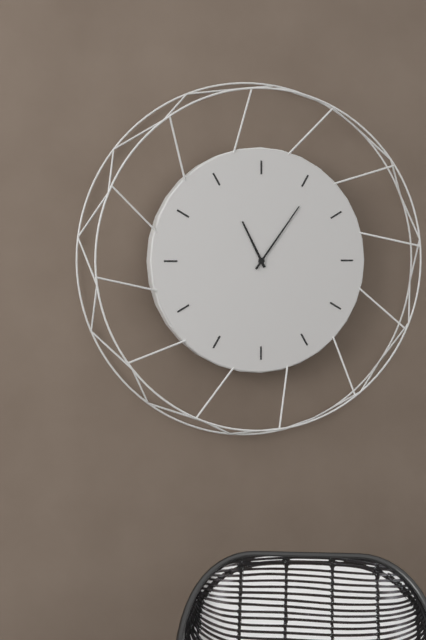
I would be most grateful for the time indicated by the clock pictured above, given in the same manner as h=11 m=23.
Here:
h=11 m=6
